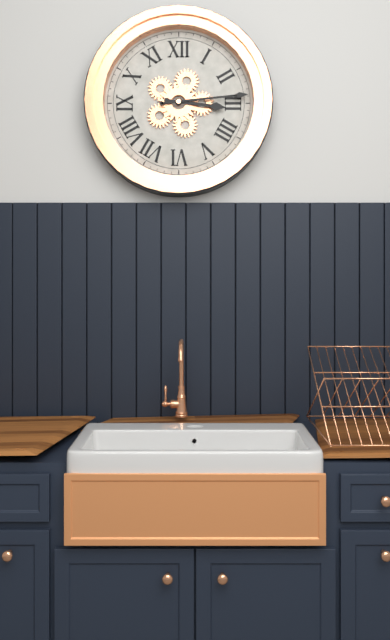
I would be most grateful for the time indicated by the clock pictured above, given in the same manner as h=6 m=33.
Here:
h=3 m=14
